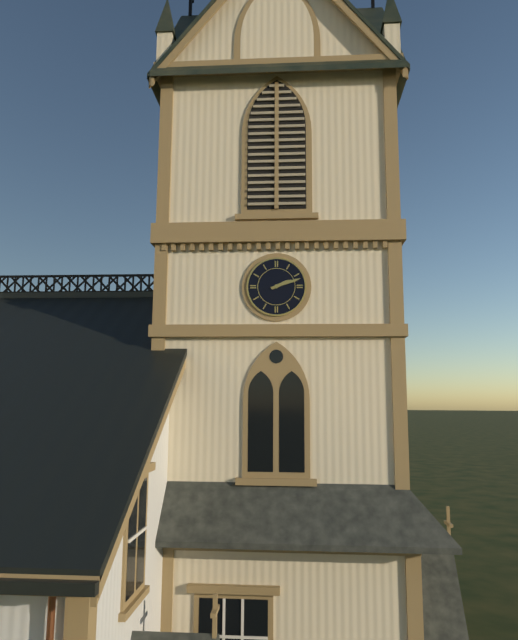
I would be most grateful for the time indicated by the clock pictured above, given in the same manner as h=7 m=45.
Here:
h=2 m=12
